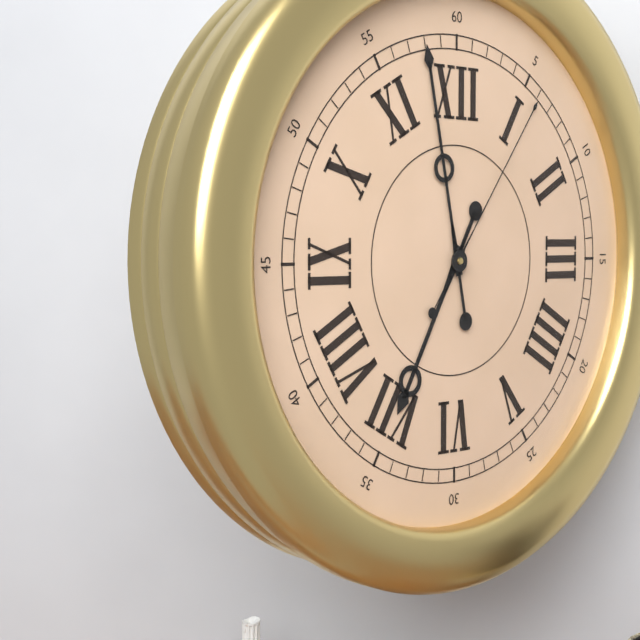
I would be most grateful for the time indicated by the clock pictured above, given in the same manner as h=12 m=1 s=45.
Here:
h=6 m=58 s=6
